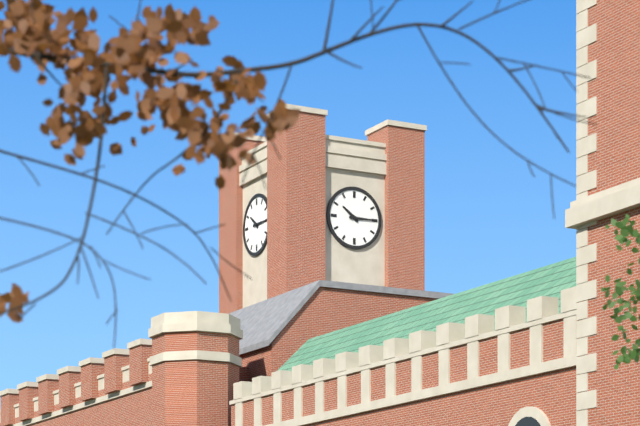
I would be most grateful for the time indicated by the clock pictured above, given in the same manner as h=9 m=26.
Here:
h=10 m=15
